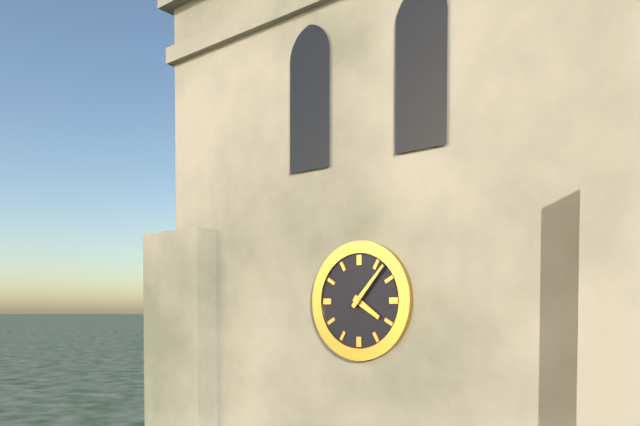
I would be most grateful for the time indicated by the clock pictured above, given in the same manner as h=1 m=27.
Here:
h=4 m=7
